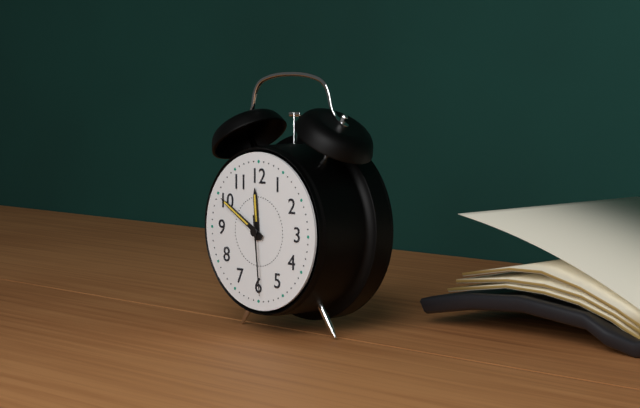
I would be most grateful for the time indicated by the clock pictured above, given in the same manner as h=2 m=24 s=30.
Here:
h=11 m=50 s=29
